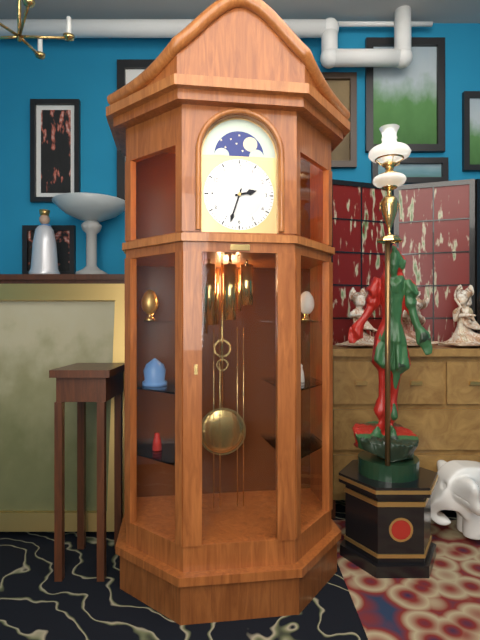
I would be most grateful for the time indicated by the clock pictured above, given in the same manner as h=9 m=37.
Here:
h=2 m=33
